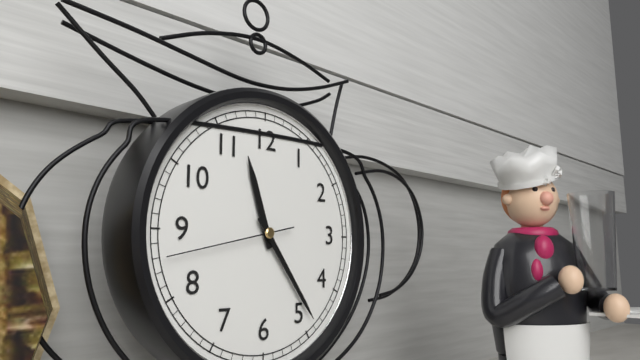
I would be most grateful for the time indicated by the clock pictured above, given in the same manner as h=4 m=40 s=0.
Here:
h=11 m=24 s=43
